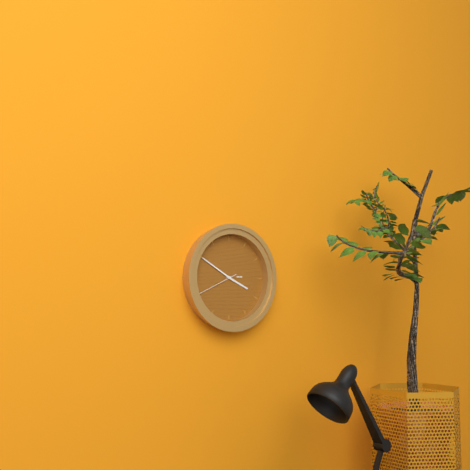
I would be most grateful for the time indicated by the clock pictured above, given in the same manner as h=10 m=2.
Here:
h=3 m=50
